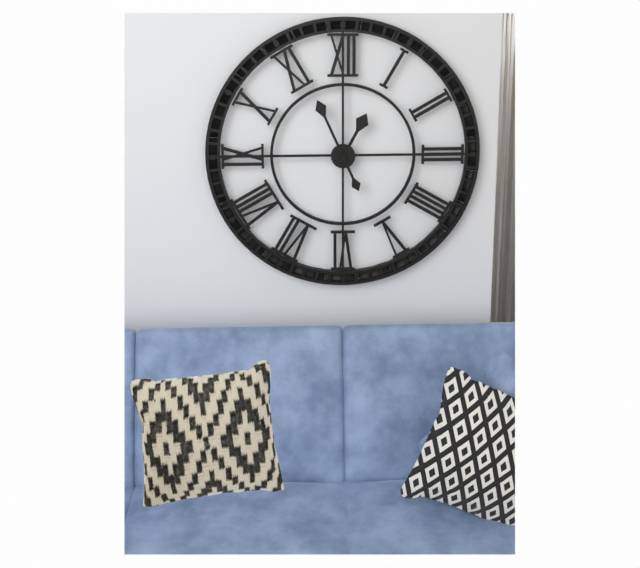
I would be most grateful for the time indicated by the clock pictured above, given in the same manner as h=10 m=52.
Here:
h=12 m=56
